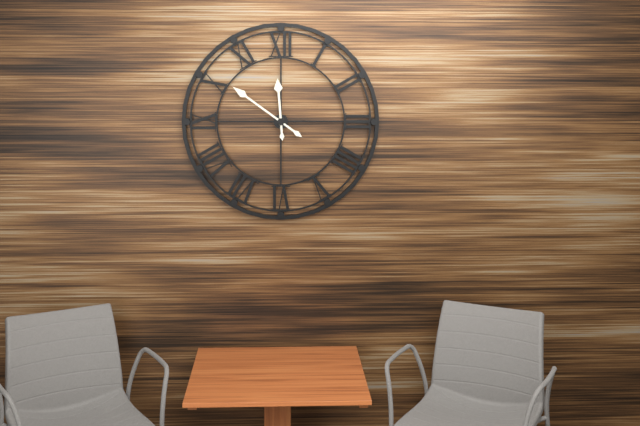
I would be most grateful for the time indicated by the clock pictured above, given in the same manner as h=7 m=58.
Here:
h=11 m=51
